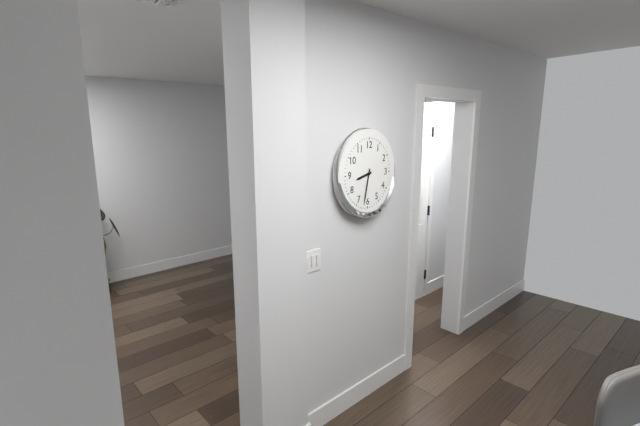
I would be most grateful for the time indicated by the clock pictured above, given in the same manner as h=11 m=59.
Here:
h=8 m=32
